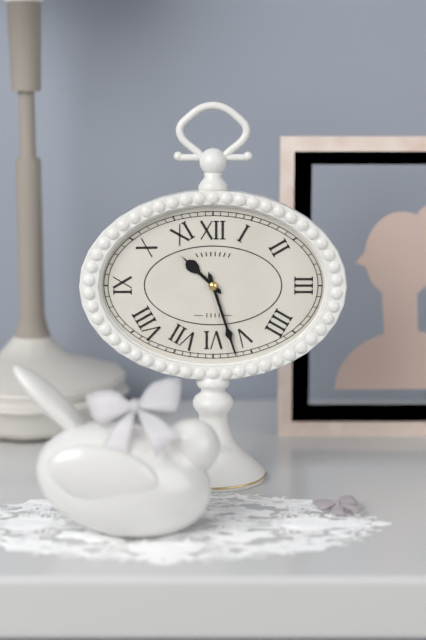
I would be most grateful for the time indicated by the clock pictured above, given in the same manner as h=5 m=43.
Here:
h=10 m=27
